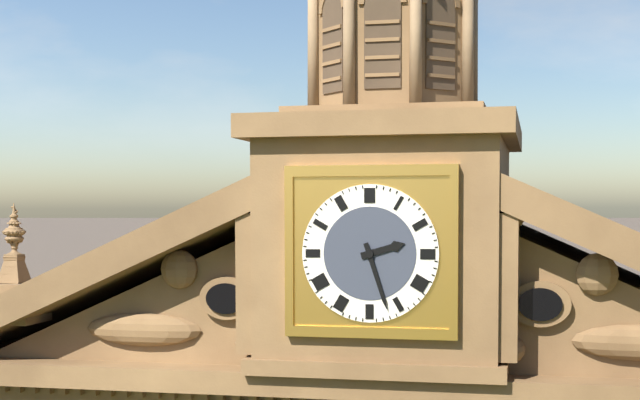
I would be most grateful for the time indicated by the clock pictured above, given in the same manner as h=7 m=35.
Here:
h=2 m=27
